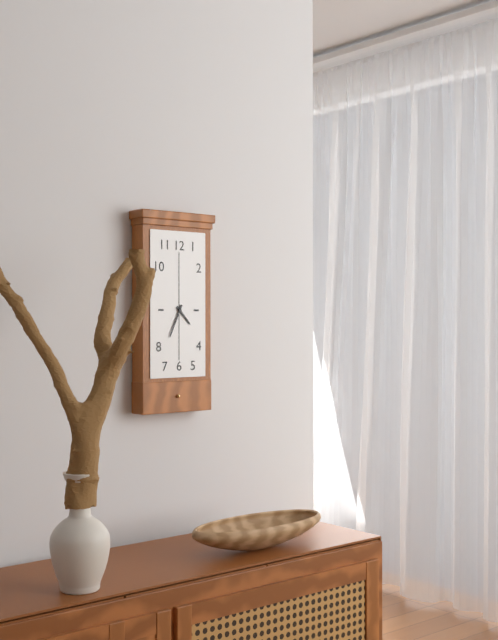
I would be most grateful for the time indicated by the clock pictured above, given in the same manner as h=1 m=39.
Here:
h=4 m=34
